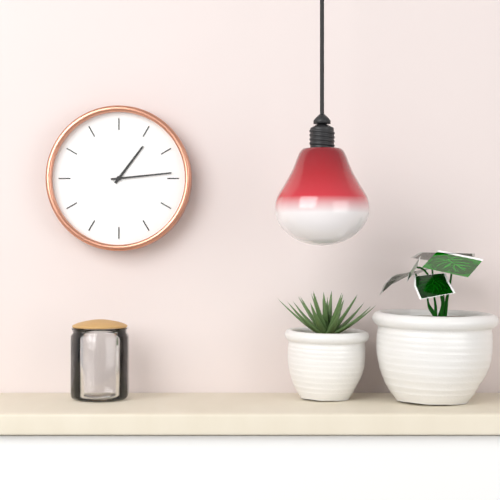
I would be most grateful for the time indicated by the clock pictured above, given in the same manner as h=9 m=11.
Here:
h=1 m=14
